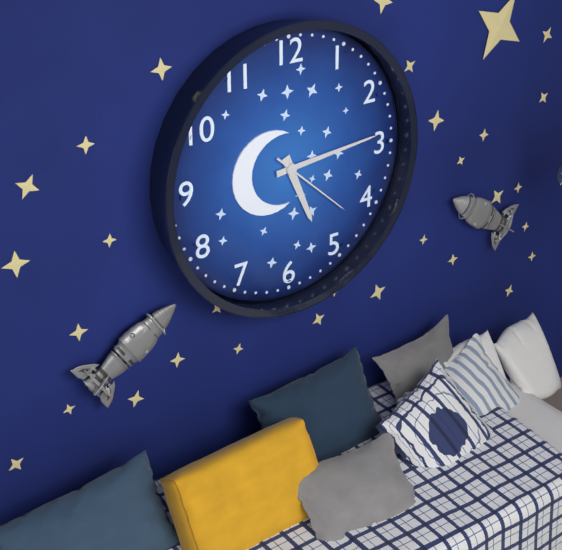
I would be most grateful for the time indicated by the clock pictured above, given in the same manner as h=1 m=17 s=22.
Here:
h=5 m=14 s=22
